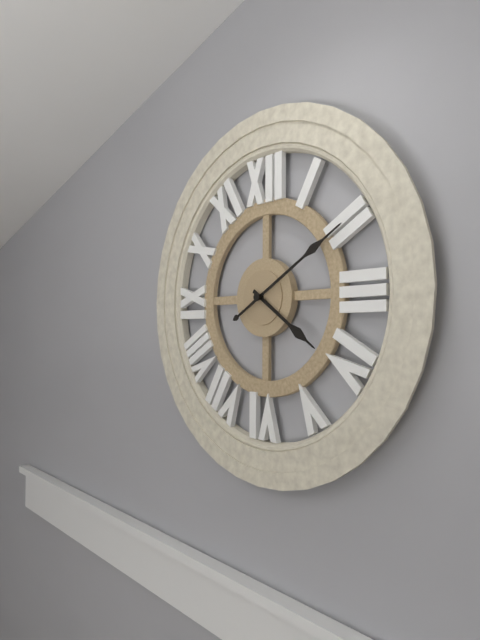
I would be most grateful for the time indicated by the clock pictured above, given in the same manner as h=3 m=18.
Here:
h=4 m=10
